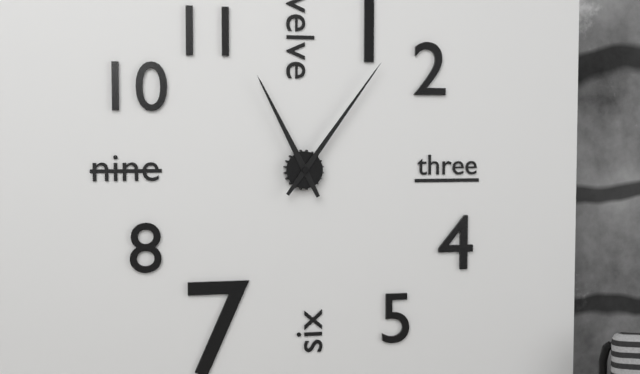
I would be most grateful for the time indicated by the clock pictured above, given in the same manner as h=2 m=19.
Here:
h=11 m=6
